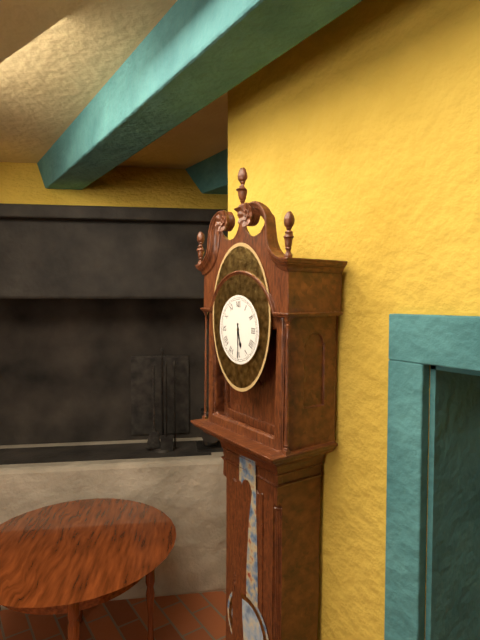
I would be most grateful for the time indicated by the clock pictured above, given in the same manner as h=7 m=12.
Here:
h=5 m=30
